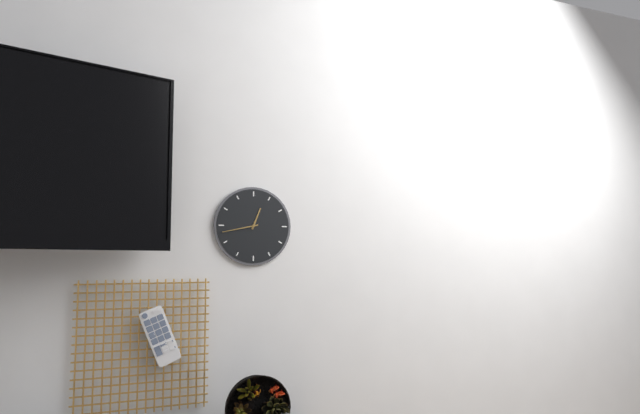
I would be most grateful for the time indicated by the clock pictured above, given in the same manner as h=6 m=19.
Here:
h=12 m=43
